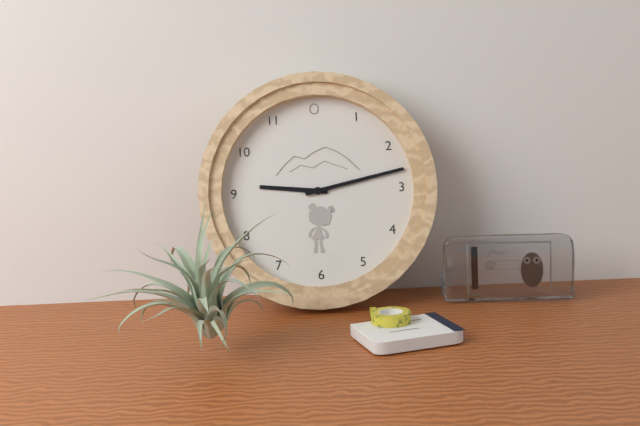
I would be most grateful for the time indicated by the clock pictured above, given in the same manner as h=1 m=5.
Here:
h=9 m=13
